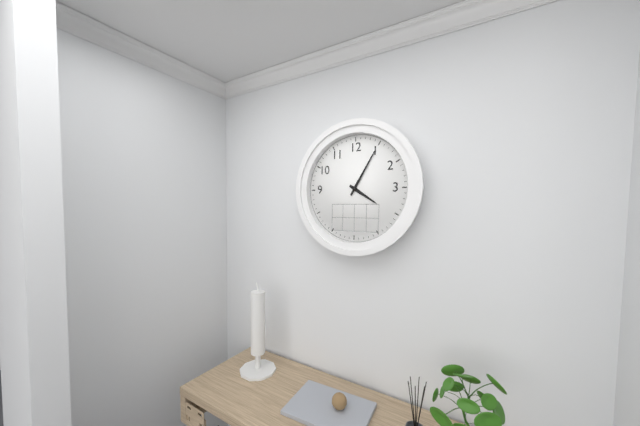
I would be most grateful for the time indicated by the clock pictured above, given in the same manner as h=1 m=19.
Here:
h=4 m=5
